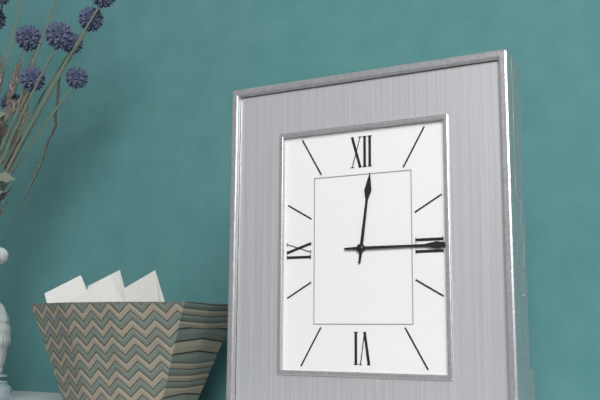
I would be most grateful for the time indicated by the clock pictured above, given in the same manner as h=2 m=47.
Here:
h=12 m=15
